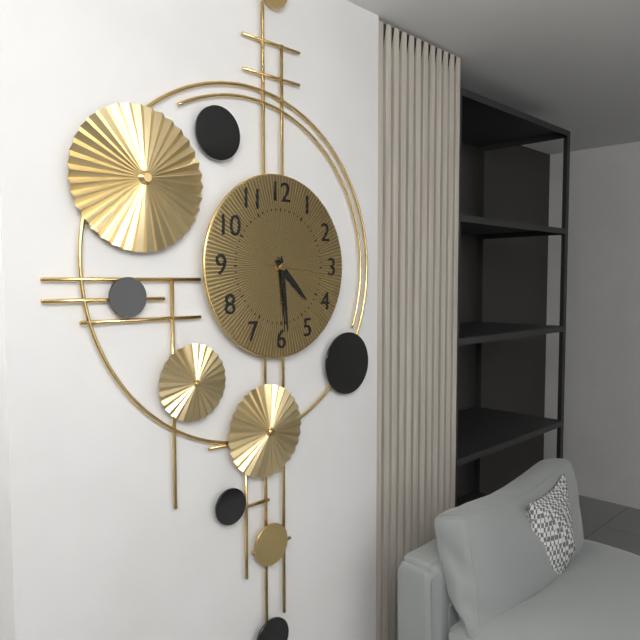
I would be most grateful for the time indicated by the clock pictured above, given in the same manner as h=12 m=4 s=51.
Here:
h=4 m=29 s=16
